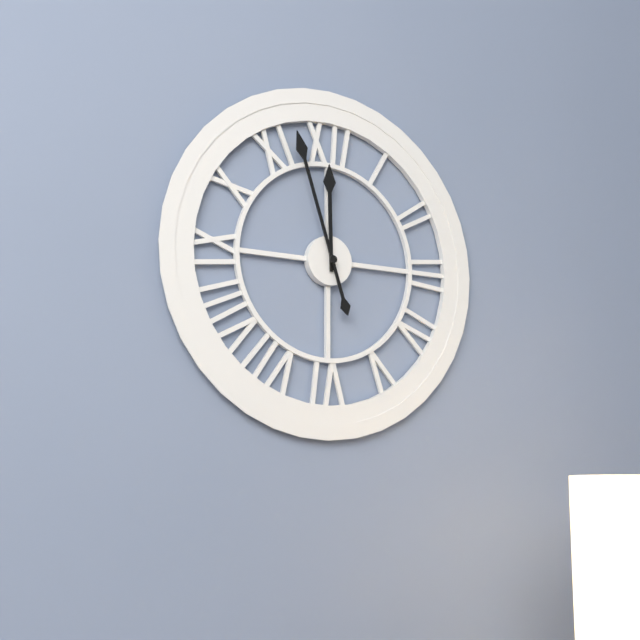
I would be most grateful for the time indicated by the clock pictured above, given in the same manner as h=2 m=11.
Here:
h=11 m=57
